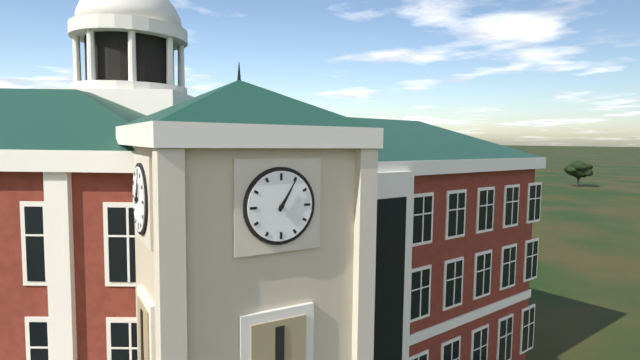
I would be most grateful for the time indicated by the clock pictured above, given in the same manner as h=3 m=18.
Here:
h=1 m=5
